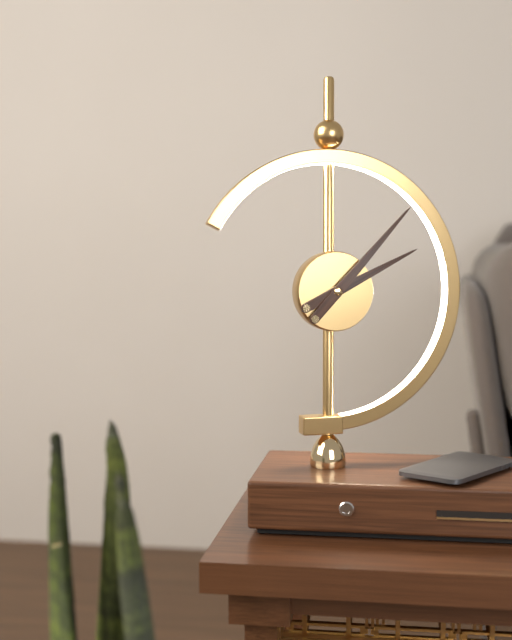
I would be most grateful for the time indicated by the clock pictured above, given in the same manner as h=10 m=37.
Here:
h=2 m=7
